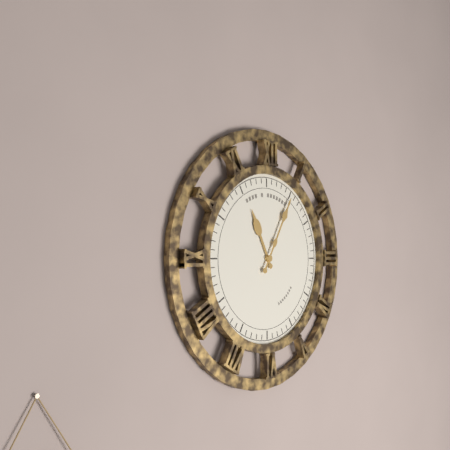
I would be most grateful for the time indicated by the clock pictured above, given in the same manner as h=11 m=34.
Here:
h=11 m=5
